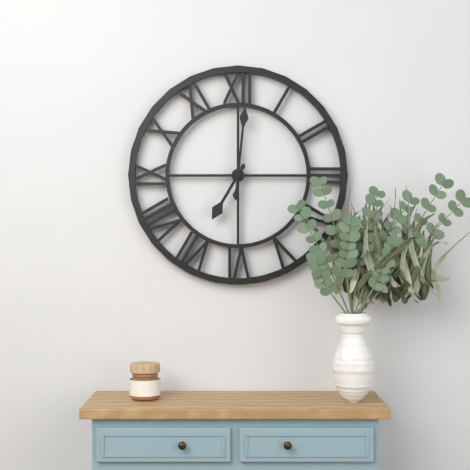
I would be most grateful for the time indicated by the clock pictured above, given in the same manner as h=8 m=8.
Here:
h=7 m=1
